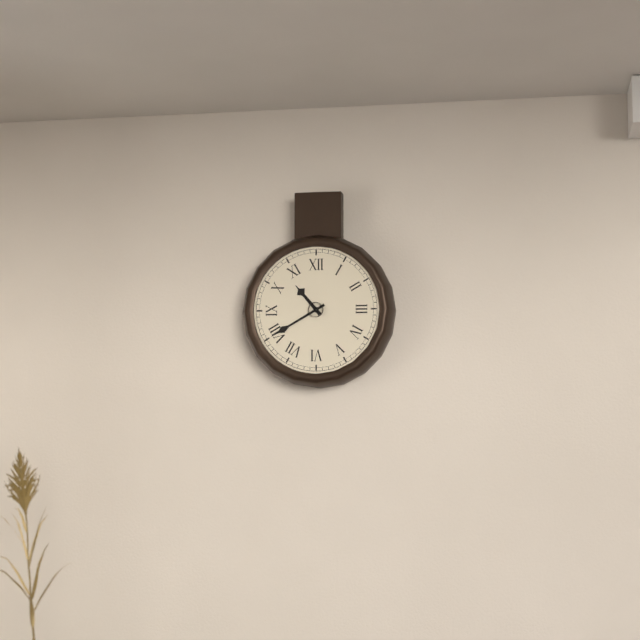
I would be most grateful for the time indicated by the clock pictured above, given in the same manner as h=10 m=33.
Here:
h=10 m=40
